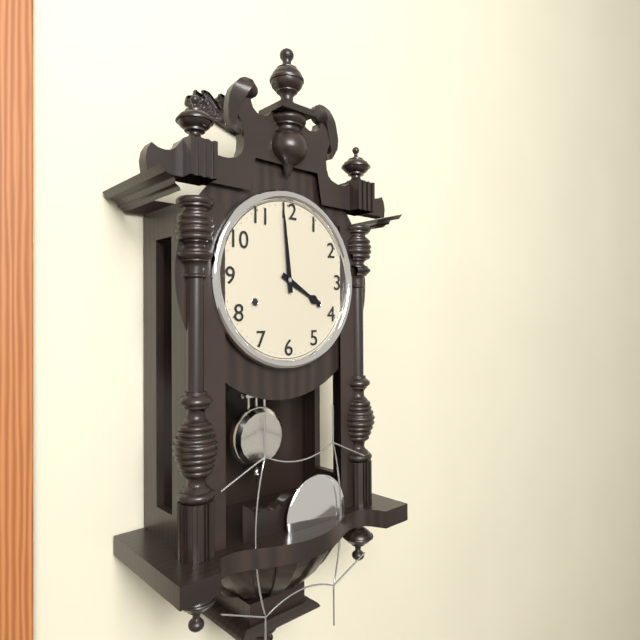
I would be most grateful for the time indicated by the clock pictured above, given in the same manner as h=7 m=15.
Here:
h=3 m=59
